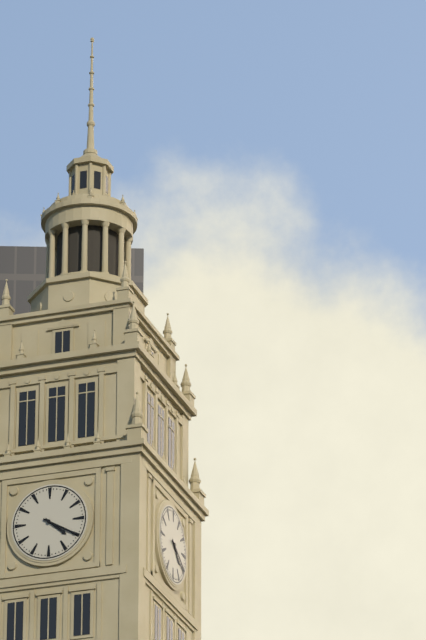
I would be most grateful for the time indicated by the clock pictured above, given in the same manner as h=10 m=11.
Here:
h=4 m=20
